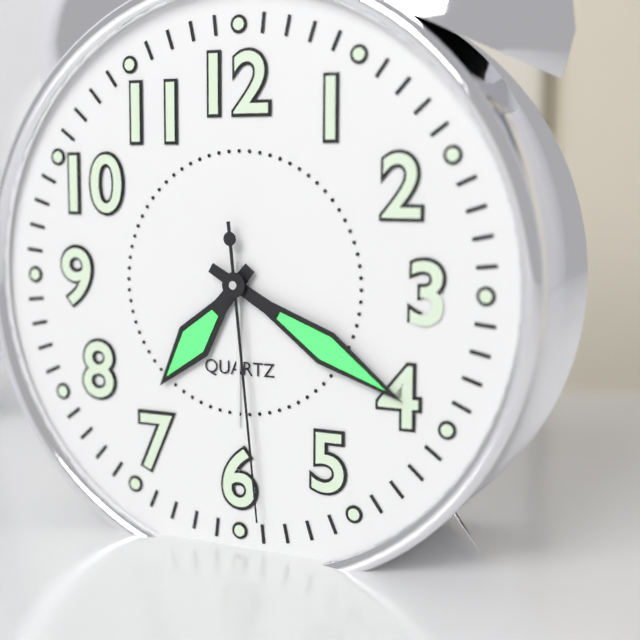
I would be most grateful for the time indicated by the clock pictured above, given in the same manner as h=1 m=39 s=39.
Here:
h=7 m=20 s=29
